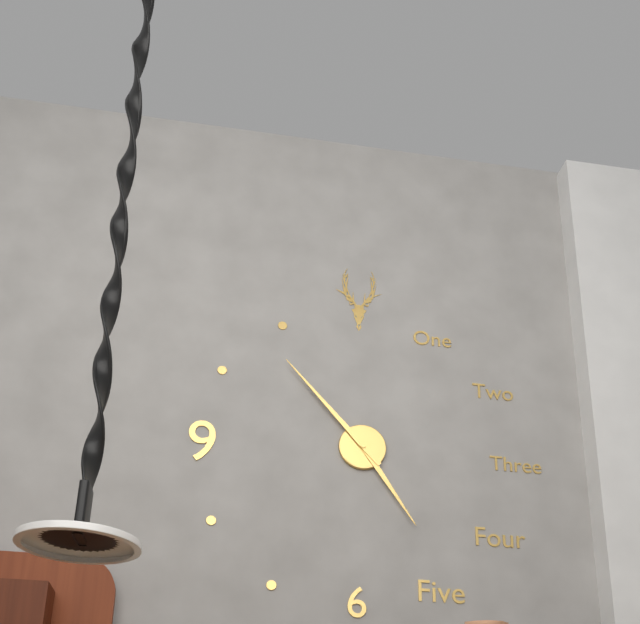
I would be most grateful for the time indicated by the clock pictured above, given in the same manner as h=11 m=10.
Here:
h=4 m=53
